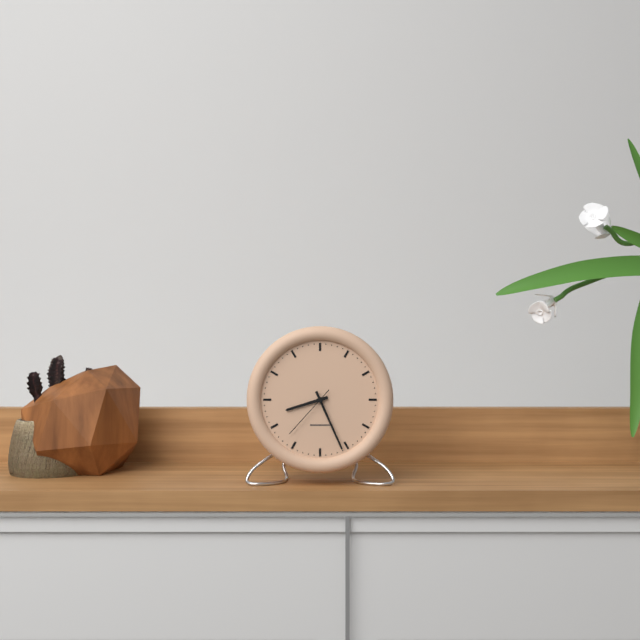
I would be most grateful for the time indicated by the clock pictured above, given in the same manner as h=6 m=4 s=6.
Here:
h=8 m=26 s=37
